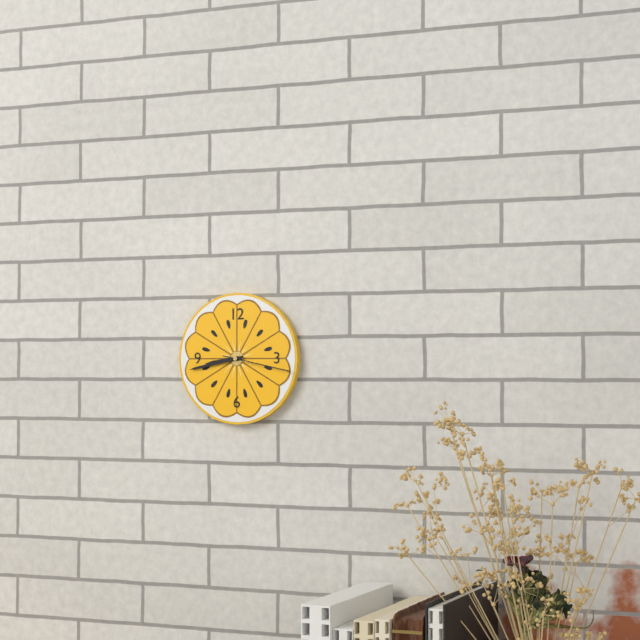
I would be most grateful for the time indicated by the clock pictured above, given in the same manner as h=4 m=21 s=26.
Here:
h=8 m=43 s=17
